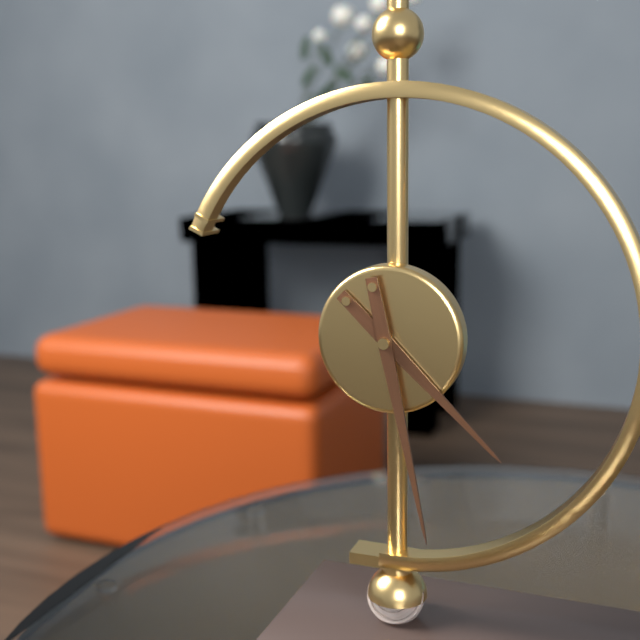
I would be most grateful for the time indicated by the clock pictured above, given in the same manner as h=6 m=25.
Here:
h=4 m=28
